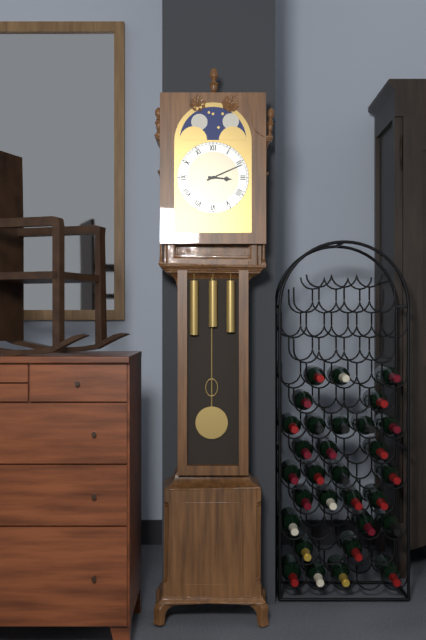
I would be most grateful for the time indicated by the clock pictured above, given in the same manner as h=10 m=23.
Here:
h=3 m=11
